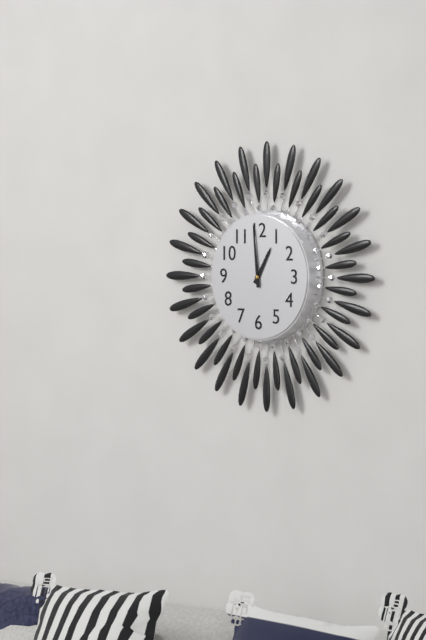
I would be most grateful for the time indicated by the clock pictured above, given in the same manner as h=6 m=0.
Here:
h=12 m=59
